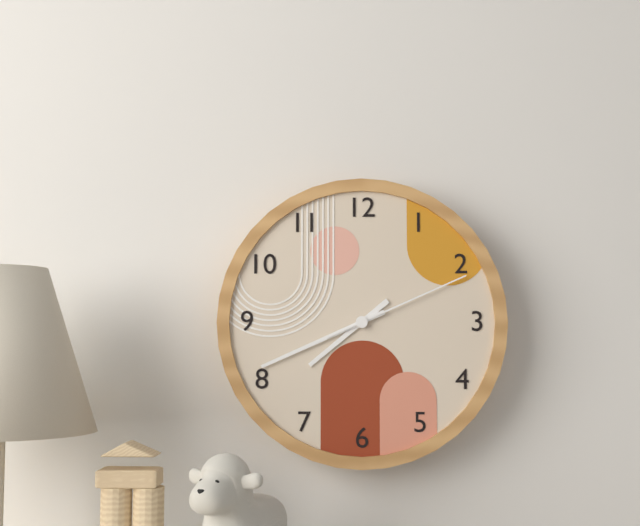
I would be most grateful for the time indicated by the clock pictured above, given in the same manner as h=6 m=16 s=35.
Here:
h=7 m=41 s=11
